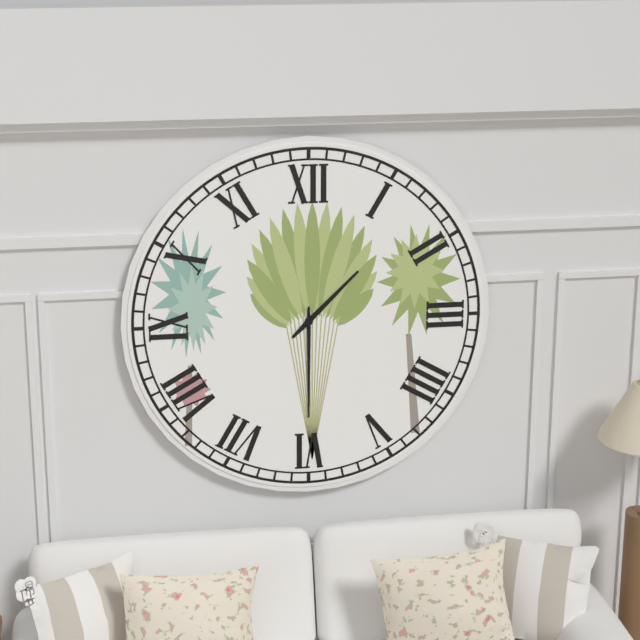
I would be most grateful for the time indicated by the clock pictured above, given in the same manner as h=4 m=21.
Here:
h=1 m=30
